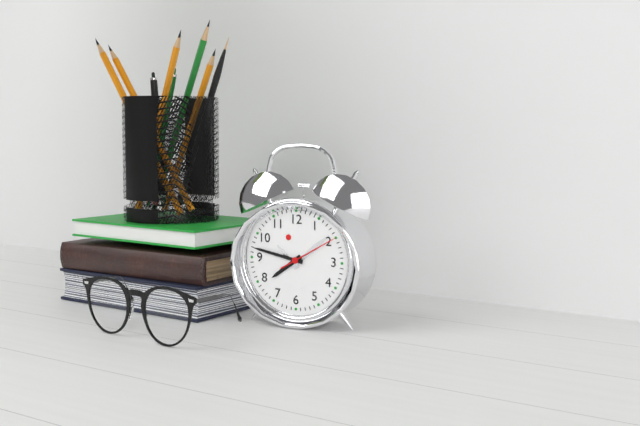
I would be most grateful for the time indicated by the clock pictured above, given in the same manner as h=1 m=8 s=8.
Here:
h=7 m=47 s=10
